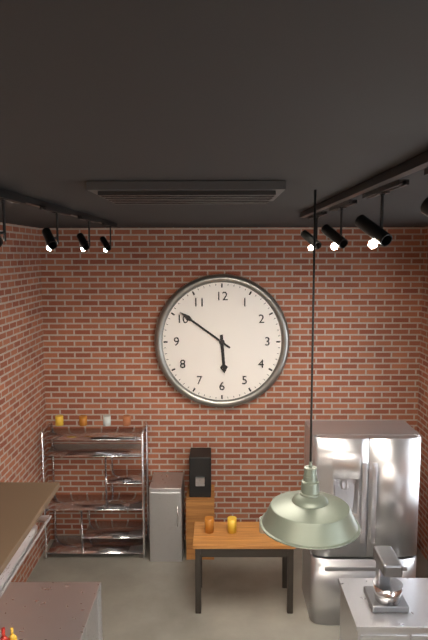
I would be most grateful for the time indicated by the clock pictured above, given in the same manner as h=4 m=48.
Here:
h=5 m=51
